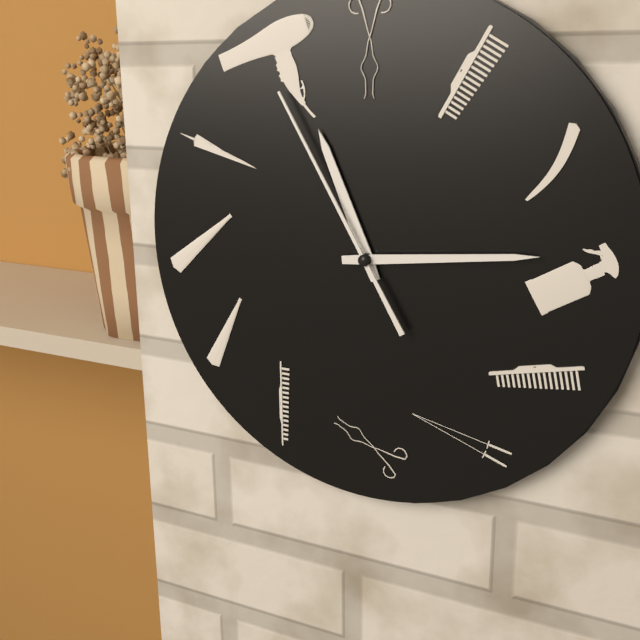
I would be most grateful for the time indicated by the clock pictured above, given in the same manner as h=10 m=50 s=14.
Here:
h=11 m=14 s=55
